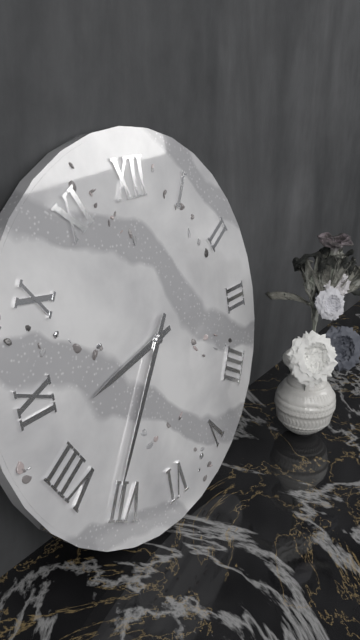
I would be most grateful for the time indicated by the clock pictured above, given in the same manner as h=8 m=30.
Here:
h=8 m=36
